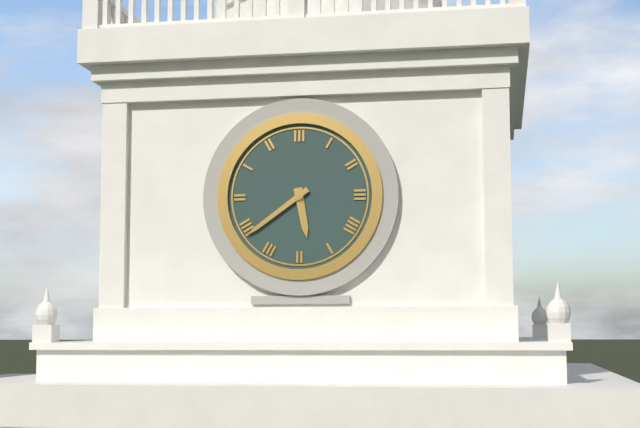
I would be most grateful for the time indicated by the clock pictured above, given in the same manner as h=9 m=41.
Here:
h=5 m=39
